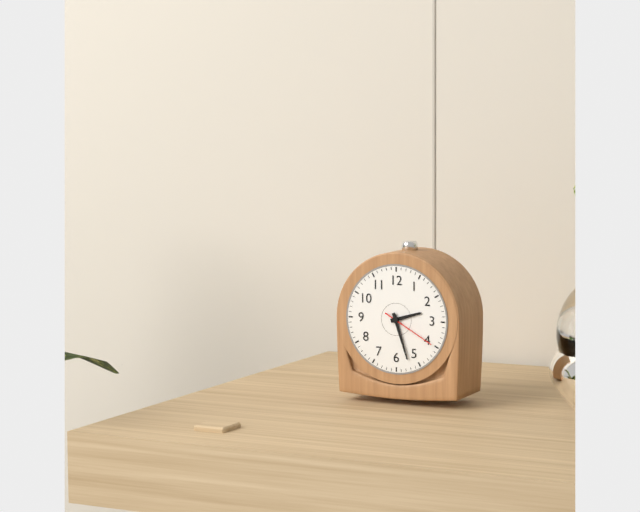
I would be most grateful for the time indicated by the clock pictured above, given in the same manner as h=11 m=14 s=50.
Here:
h=2 m=27 s=20
